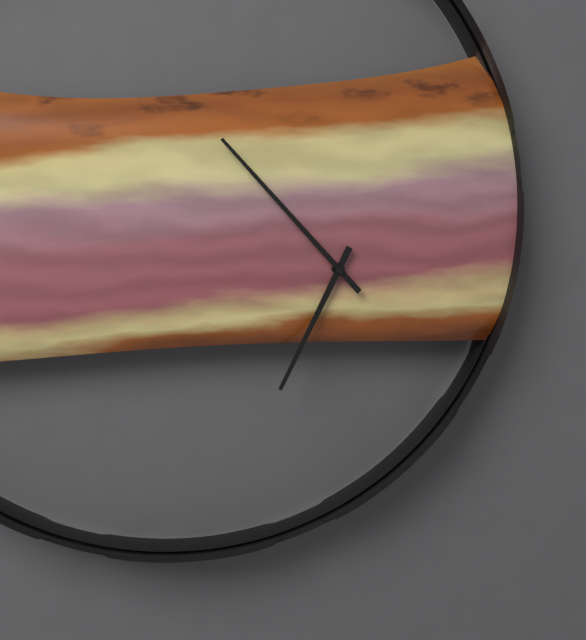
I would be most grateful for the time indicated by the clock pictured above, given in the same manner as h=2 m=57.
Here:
h=6 m=53
